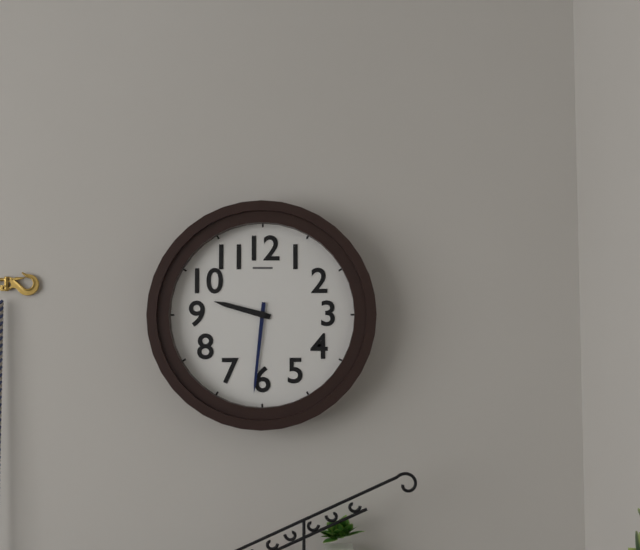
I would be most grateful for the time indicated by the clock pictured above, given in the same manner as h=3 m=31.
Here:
h=9 m=31
